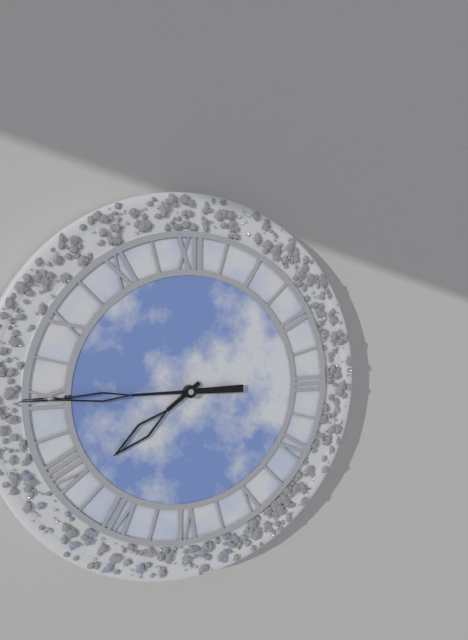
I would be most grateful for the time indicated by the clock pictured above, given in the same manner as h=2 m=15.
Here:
h=7 m=45
